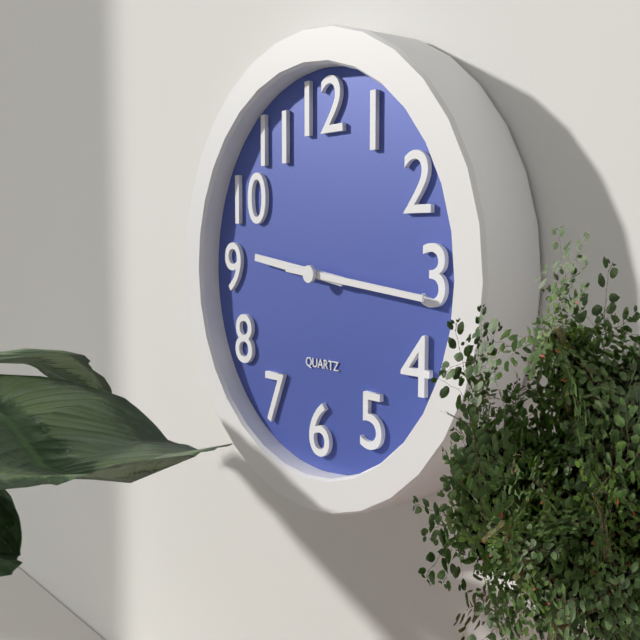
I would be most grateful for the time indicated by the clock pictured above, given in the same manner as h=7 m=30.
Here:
h=9 m=16
